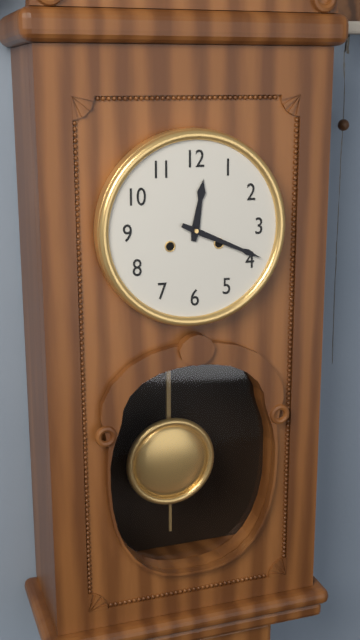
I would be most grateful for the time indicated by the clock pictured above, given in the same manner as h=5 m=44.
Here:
h=12 m=19
